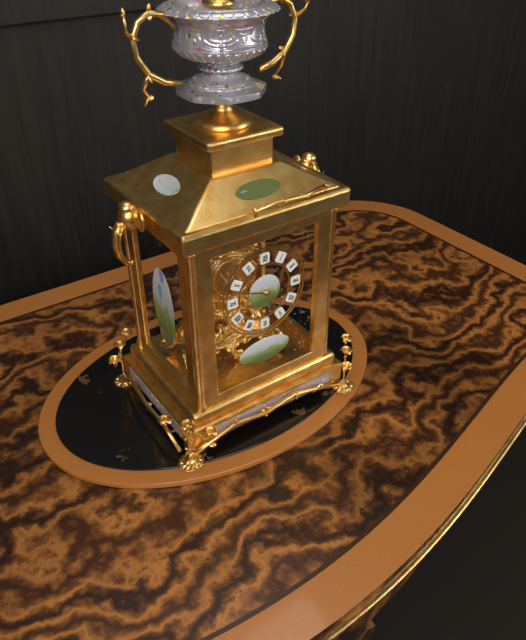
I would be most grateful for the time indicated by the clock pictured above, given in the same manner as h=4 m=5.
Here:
h=4 m=48
